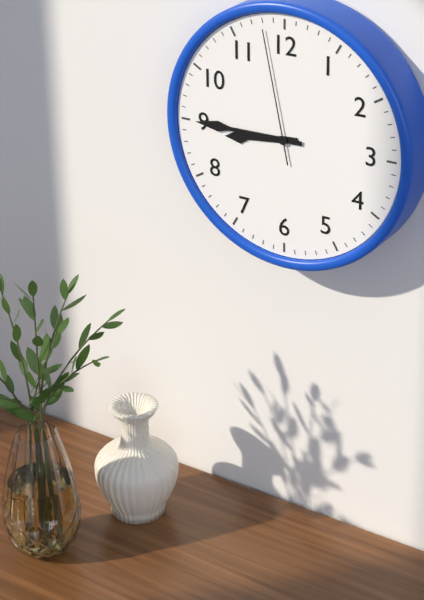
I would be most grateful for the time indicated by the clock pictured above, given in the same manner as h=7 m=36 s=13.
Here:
h=8 m=45 s=58
